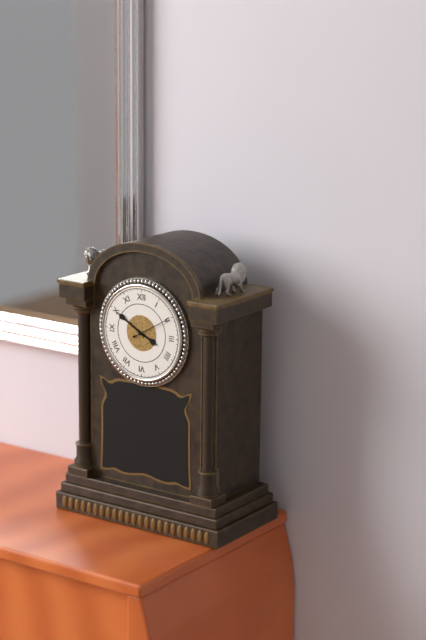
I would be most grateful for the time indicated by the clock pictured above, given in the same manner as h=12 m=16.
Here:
h=3 m=50
